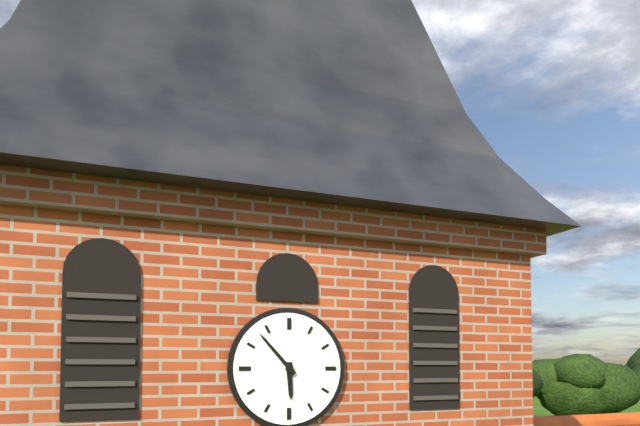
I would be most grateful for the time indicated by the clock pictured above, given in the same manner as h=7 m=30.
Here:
h=5 m=53
